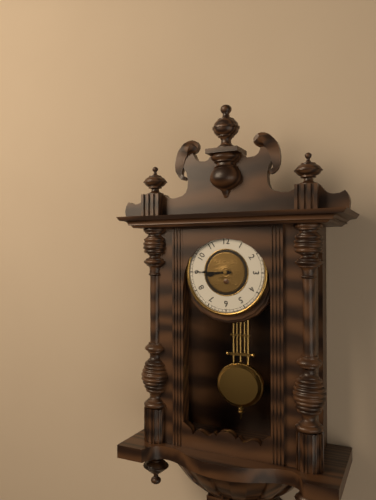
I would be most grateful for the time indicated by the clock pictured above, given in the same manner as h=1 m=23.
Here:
h=8 m=45
